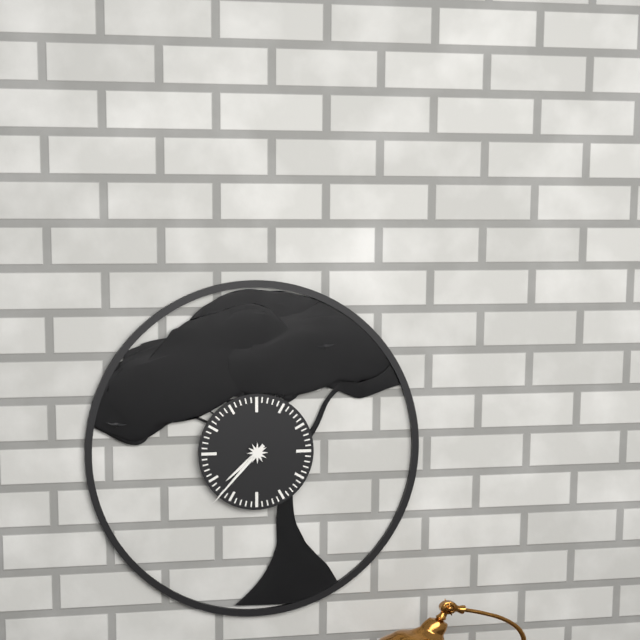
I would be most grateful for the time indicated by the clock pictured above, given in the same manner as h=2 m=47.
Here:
h=7 m=37
